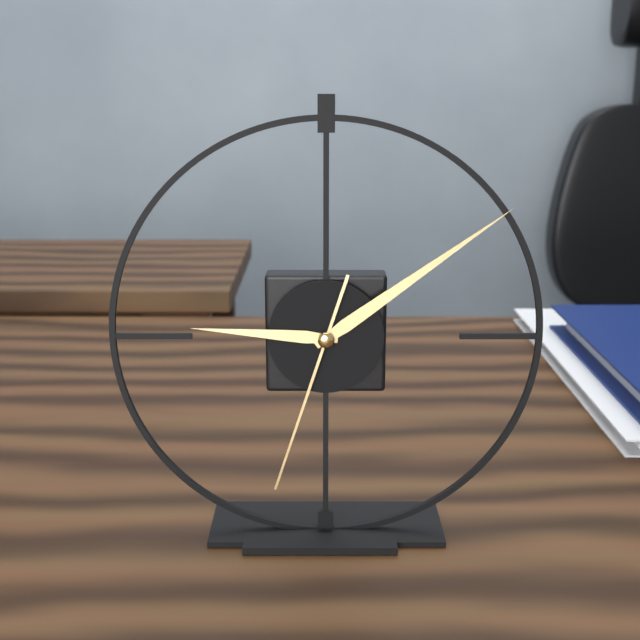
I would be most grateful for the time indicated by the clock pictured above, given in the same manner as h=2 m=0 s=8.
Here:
h=9 m=9 s=33
